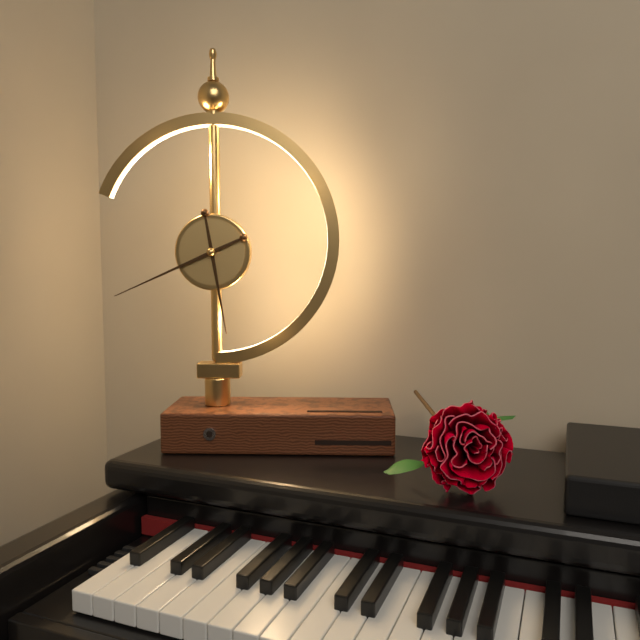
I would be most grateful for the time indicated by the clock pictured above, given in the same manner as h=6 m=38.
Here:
h=5 m=41
